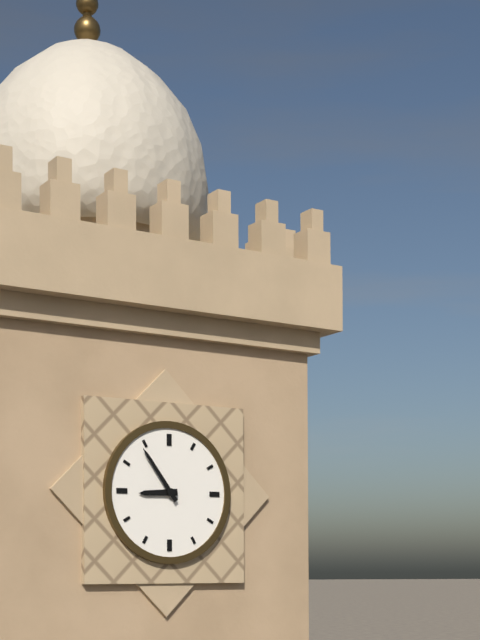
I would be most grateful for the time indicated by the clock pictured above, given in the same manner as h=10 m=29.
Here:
h=8 m=54
